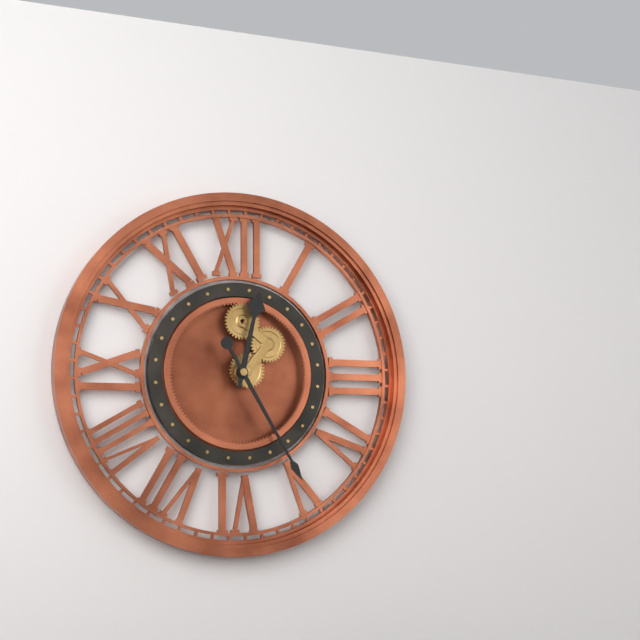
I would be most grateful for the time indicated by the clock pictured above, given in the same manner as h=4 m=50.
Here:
h=12 m=25
